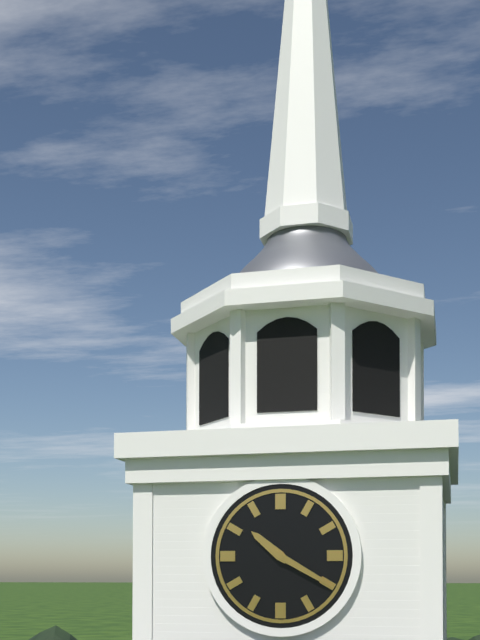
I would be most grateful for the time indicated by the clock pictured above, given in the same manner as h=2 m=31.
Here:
h=10 m=20
